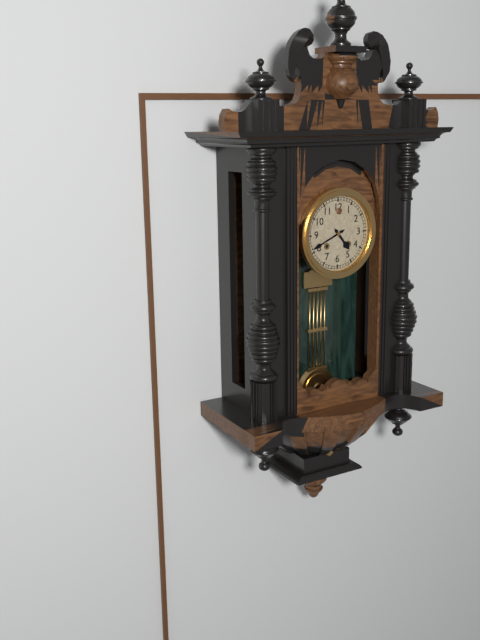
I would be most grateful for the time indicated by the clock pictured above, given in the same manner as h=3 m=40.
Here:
h=4 m=41
